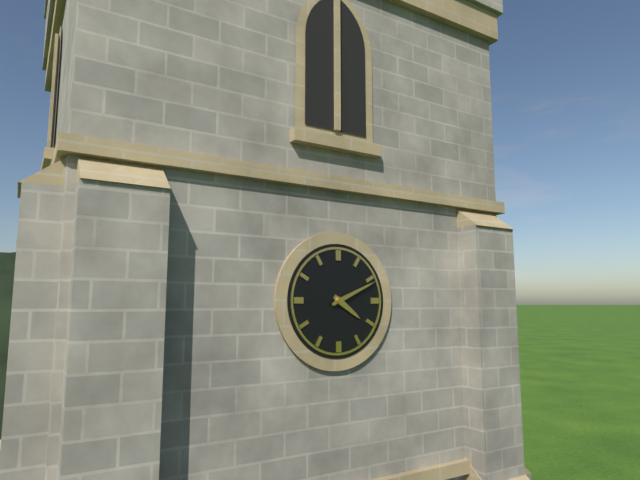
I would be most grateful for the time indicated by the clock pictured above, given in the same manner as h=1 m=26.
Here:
h=4 m=11
